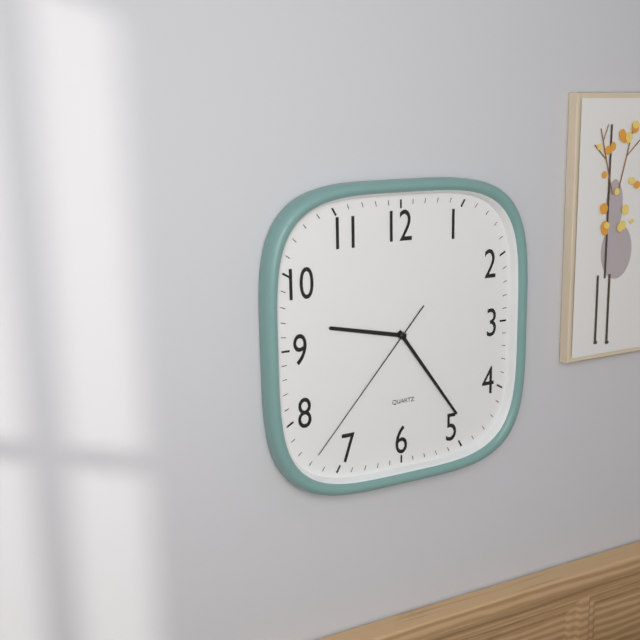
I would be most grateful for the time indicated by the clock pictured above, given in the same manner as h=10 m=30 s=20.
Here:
h=9 m=24 s=37
